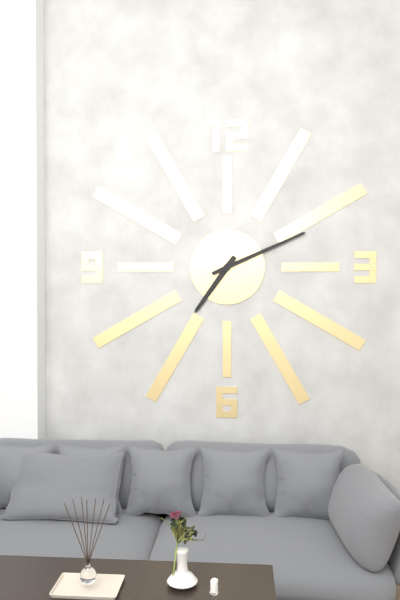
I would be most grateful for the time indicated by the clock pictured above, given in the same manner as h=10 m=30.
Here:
h=7 m=11
